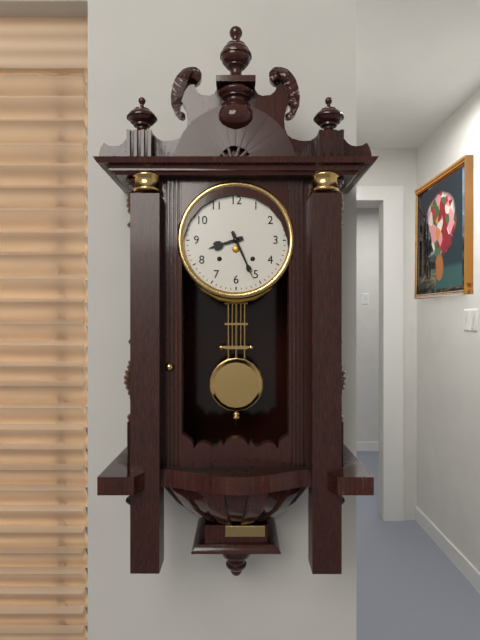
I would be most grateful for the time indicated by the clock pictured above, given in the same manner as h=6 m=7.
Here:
h=8 m=26
